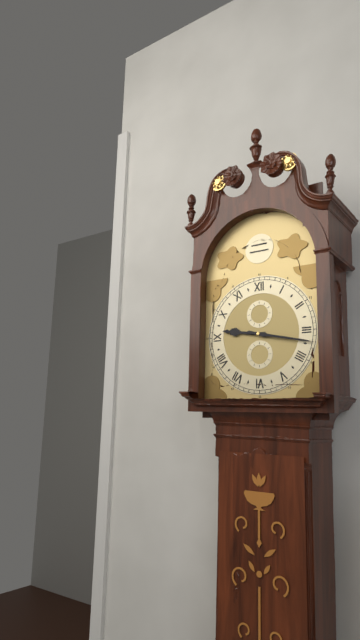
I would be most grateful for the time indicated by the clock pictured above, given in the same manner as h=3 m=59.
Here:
h=9 m=17
